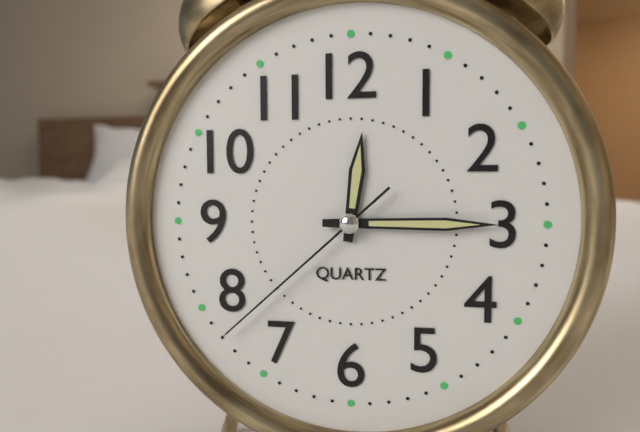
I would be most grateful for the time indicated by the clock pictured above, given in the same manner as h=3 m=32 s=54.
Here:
h=12 m=15 s=38
